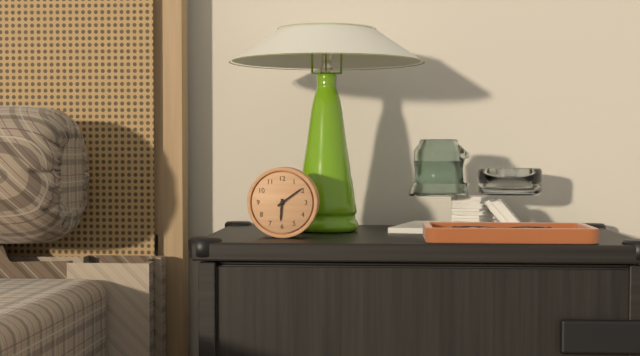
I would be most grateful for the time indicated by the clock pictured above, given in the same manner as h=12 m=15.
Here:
h=6 m=9
